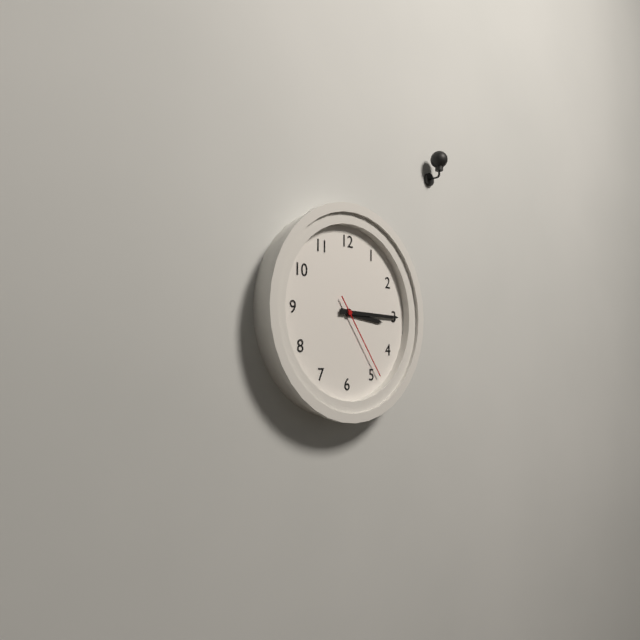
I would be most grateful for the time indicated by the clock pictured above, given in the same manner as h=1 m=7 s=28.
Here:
h=3 m=15 s=24
